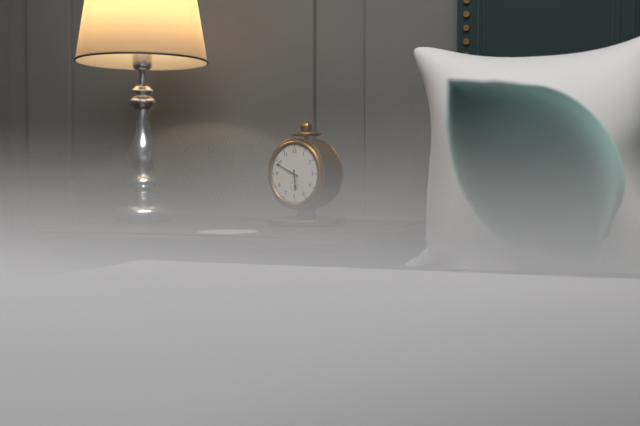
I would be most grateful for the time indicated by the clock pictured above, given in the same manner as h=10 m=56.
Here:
h=5 m=49
